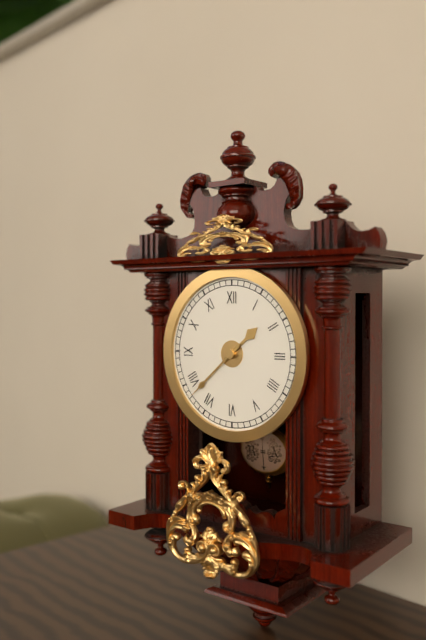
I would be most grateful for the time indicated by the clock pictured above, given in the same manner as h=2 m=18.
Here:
h=1 m=38
